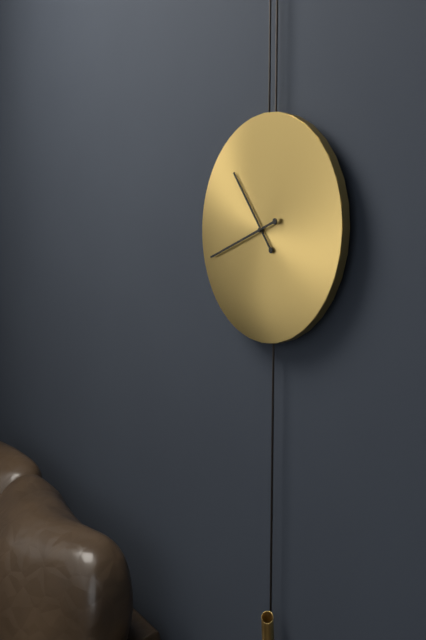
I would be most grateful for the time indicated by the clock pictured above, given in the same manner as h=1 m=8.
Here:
h=10 m=42
